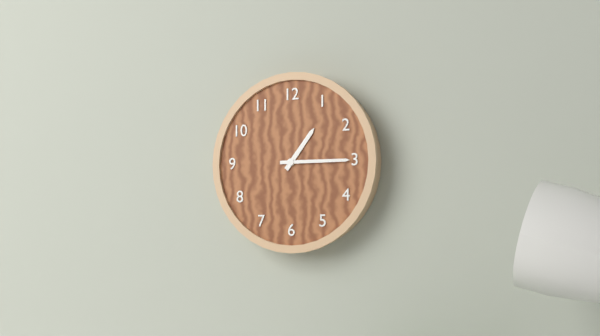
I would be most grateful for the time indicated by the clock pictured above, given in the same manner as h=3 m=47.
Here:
h=1 m=15
